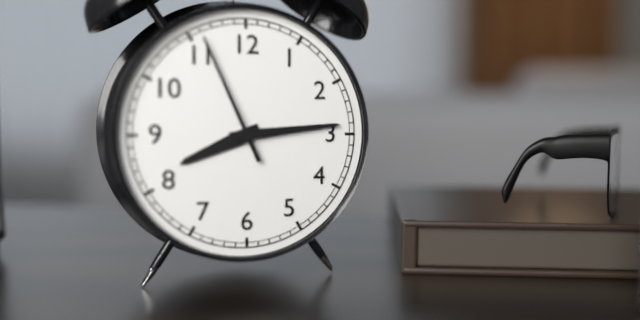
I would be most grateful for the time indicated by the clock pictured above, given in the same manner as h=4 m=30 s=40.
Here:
h=8 m=14 s=56
